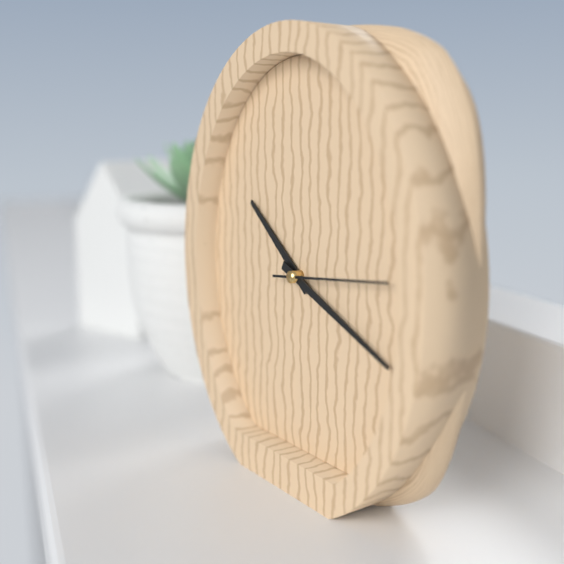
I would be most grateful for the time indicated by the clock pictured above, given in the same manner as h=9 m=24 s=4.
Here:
h=10 m=19 s=14
